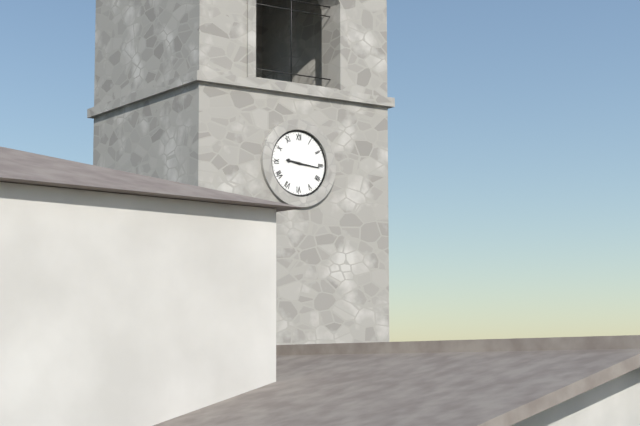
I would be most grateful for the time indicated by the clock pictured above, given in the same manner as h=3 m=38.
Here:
h=9 m=16
